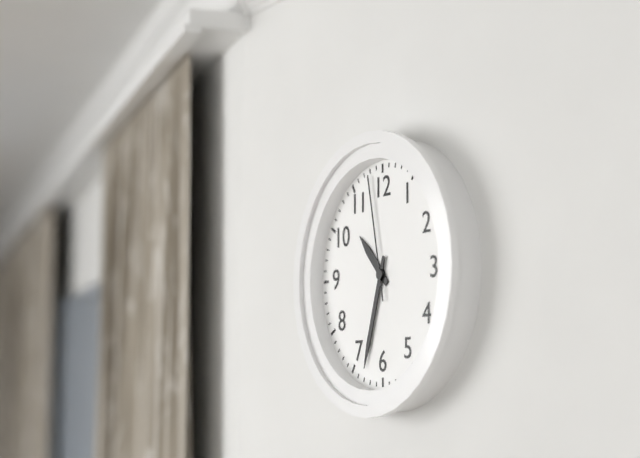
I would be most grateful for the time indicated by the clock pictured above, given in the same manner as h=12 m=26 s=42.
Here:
h=10 m=33 s=58
